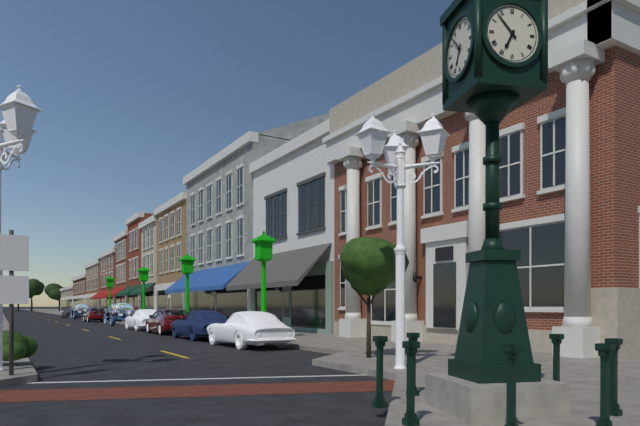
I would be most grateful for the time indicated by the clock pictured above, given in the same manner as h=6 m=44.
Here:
h=6 m=53
